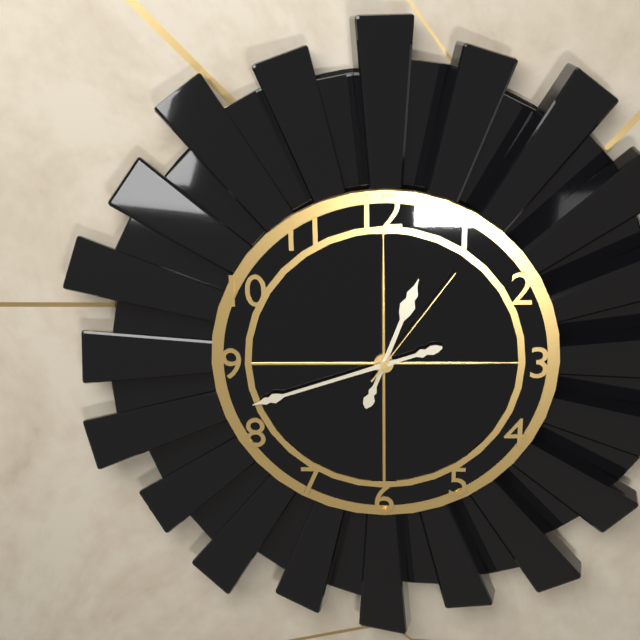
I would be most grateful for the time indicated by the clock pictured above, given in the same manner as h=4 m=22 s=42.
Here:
h=12 m=42 s=6
